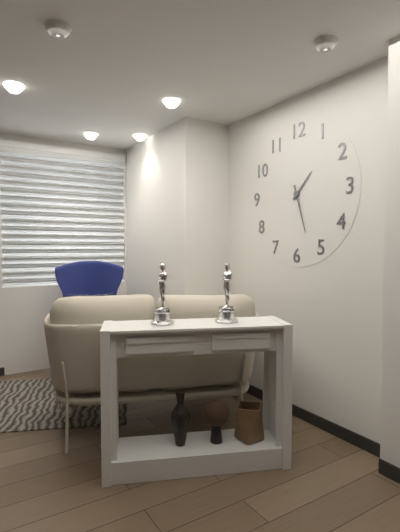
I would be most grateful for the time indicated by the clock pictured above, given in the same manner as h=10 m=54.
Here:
h=1 m=27
